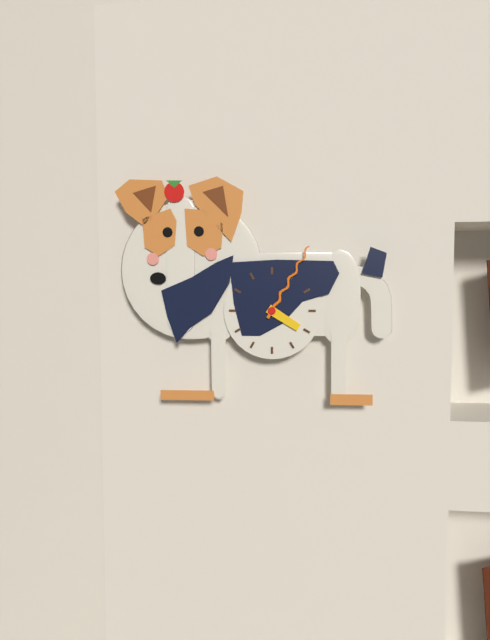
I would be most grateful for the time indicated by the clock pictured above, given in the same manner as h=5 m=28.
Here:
h=4 m=5
